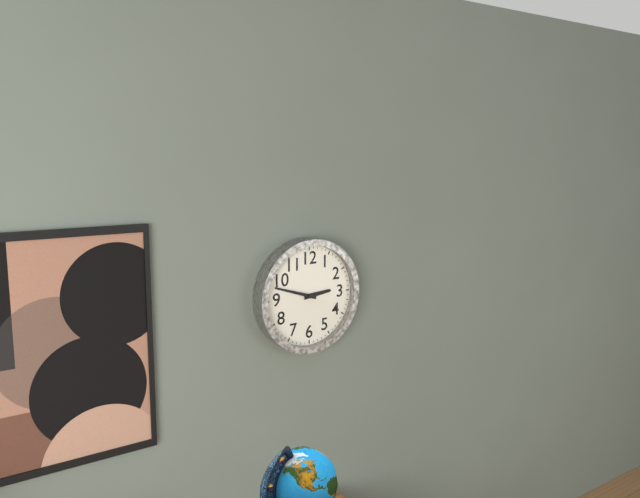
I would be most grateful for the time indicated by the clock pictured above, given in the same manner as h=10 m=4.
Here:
h=2 m=48
